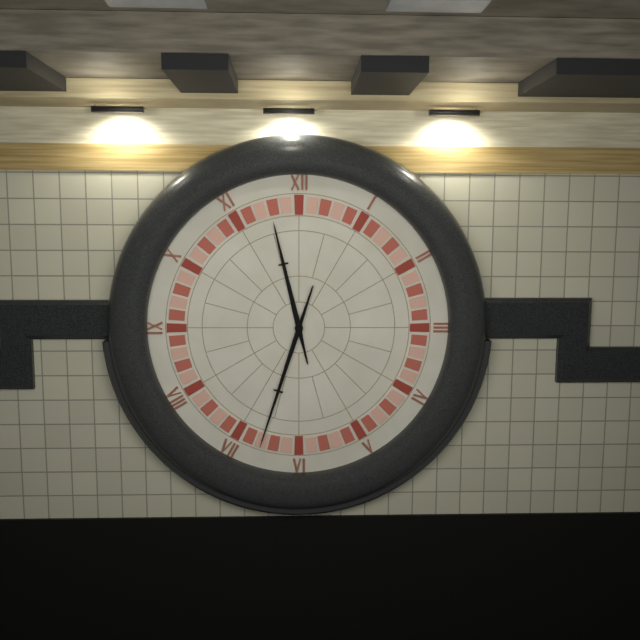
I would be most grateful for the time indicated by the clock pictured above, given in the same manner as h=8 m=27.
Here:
h=11 m=33
